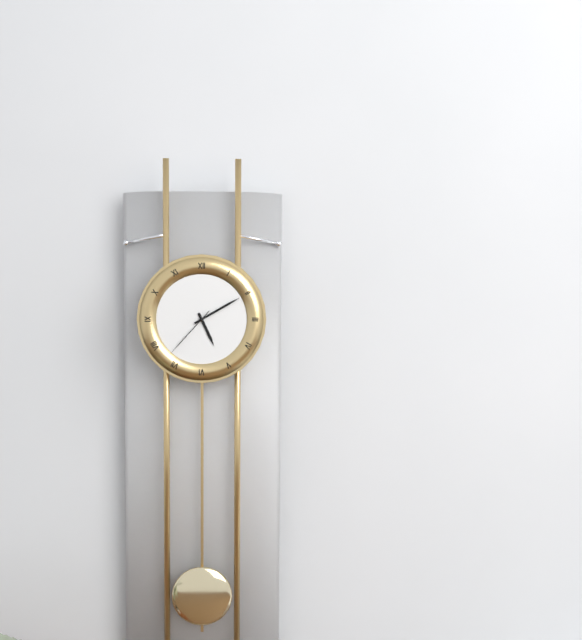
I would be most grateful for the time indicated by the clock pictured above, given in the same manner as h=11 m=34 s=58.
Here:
h=5 m=10 s=37
